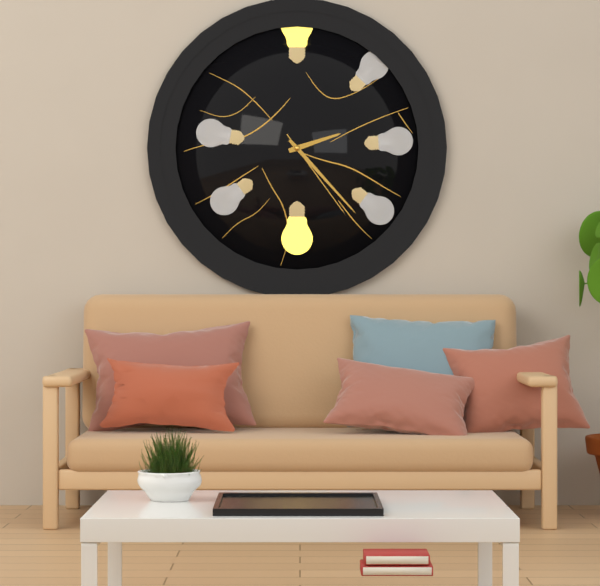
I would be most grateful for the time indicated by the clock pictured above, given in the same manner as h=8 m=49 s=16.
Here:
h=2 m=23 s=24
